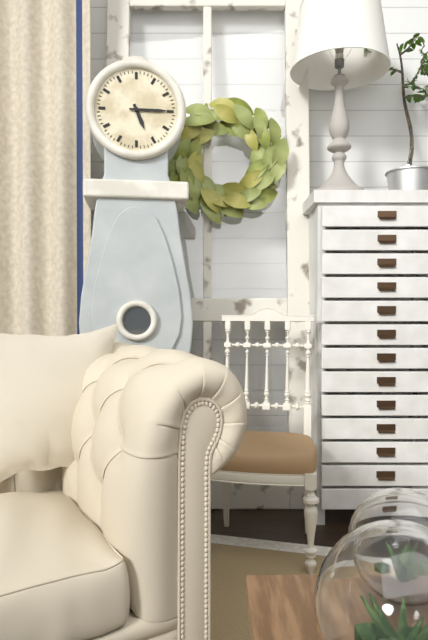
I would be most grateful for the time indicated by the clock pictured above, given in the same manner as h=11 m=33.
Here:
h=5 m=15
